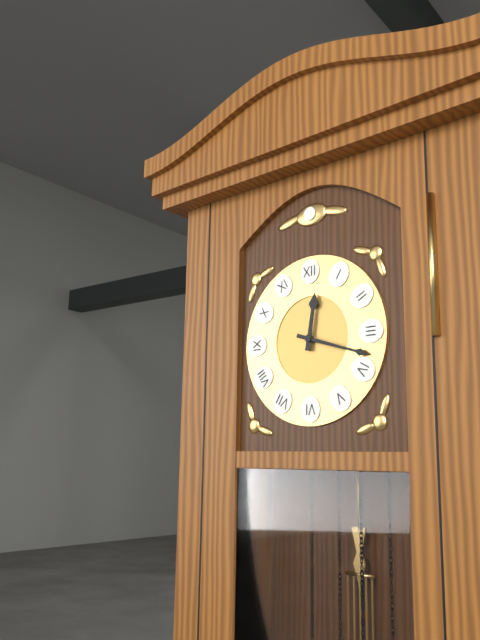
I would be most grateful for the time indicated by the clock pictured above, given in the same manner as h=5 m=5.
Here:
h=12 m=18
